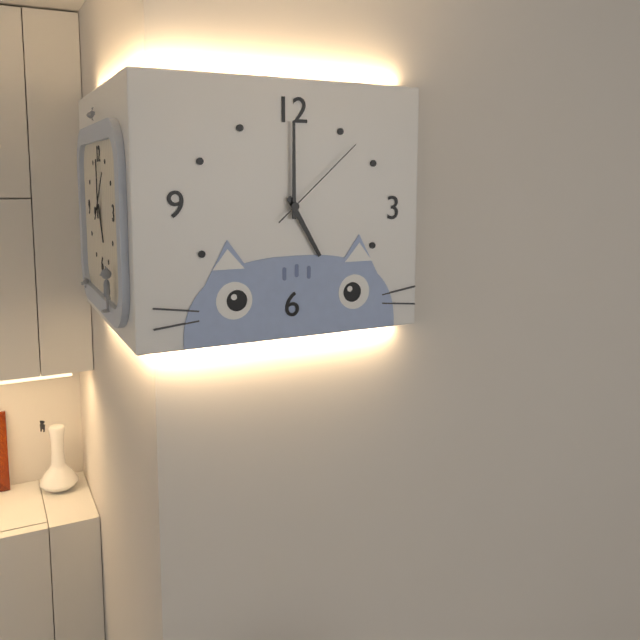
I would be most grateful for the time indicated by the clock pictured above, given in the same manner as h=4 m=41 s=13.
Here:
h=5 m=0 s=8
